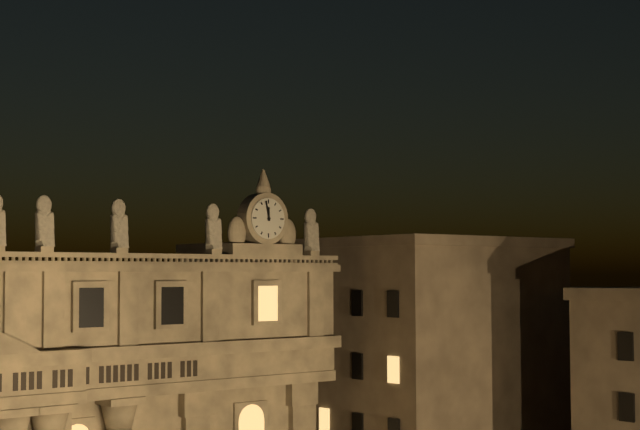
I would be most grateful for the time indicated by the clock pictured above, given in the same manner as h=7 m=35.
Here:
h=11 m=58
